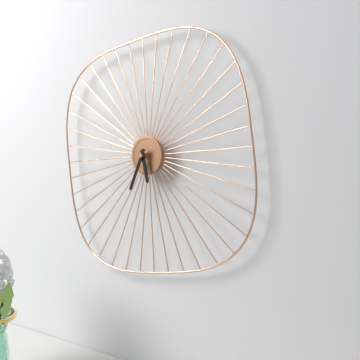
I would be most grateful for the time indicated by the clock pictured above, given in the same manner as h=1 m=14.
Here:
h=5 m=34
